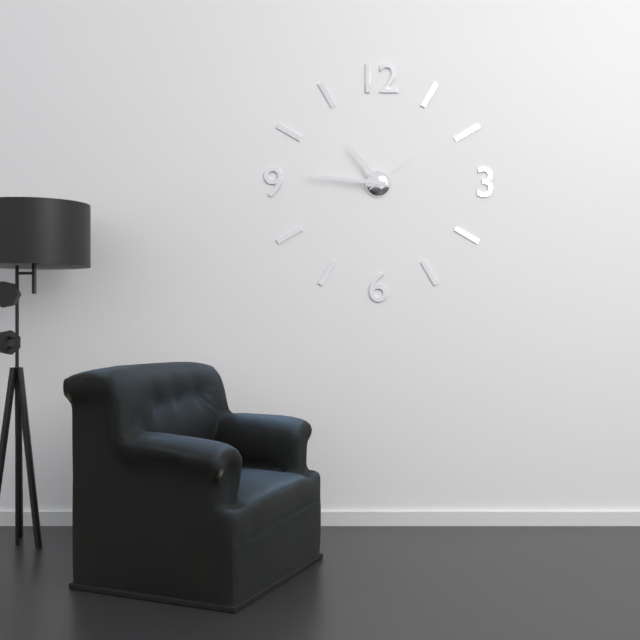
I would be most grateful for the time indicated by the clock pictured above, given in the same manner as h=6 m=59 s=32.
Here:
h=10 m=46 s=9
